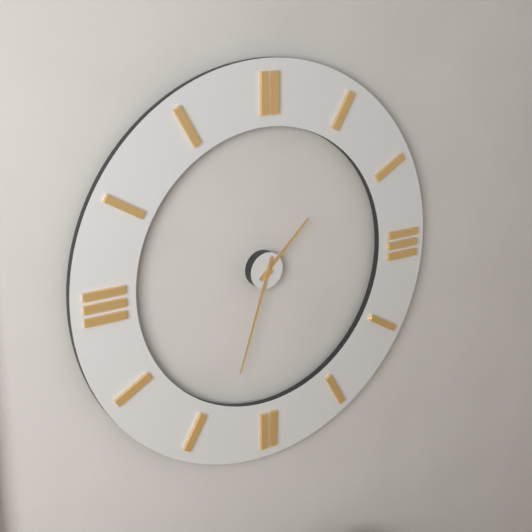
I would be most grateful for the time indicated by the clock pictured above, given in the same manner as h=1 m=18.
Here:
h=1 m=33
